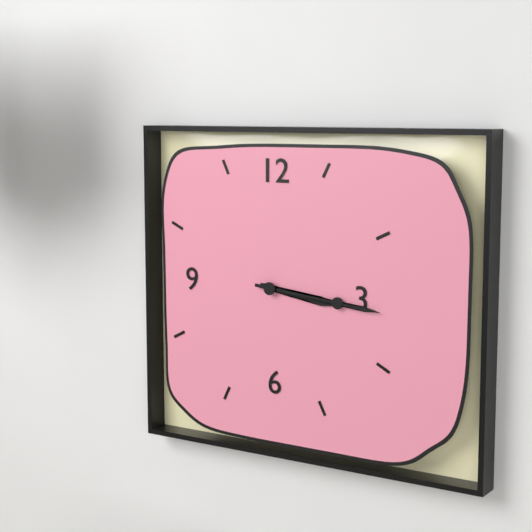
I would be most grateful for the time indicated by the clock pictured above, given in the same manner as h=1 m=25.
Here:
h=3 m=16
